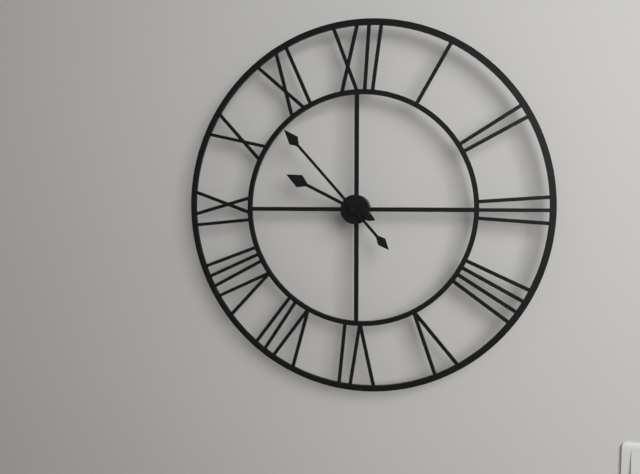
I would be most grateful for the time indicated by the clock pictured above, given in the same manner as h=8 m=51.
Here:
h=9 m=53
